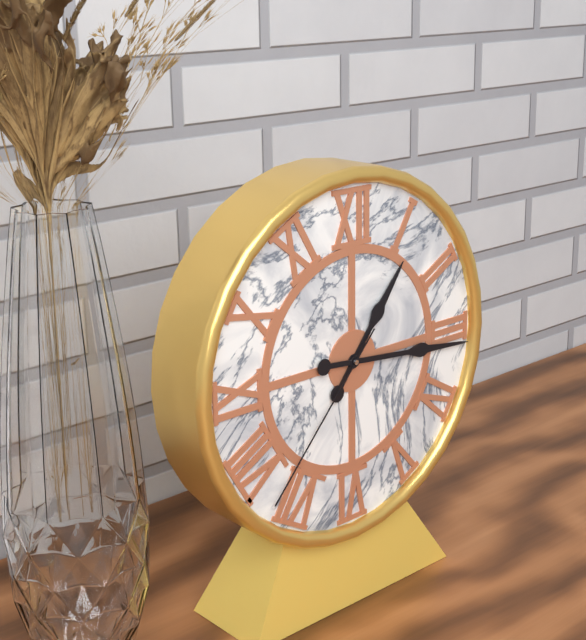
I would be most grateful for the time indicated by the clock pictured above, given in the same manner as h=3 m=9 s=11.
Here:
h=1 m=16 s=37
